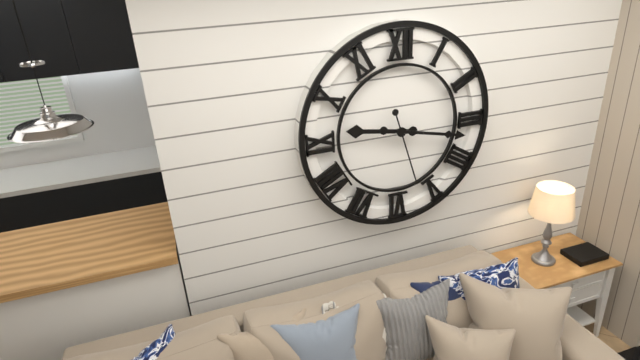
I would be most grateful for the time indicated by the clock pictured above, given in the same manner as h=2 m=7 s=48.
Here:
h=9 m=17 s=27
